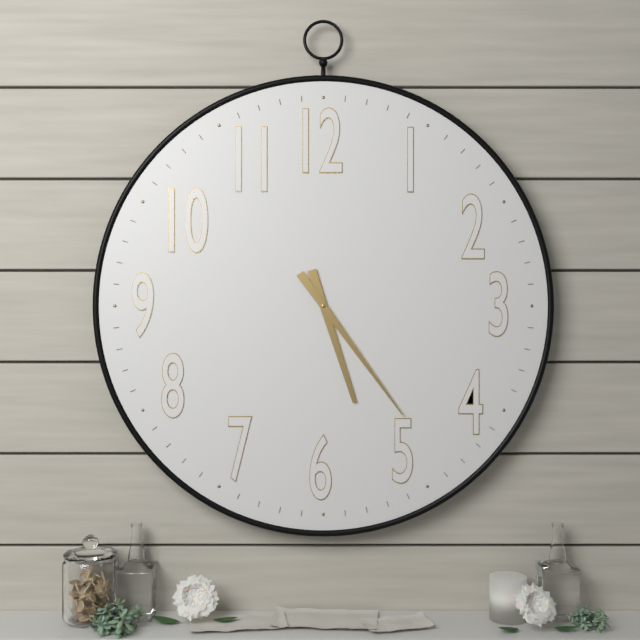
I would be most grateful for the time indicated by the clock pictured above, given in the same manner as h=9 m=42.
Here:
h=5 m=24
